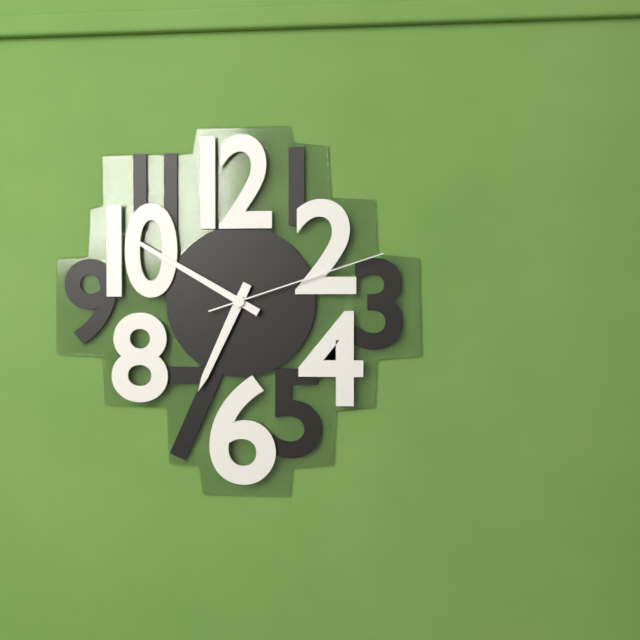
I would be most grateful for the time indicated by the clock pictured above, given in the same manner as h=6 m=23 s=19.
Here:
h=6 m=50 s=12
